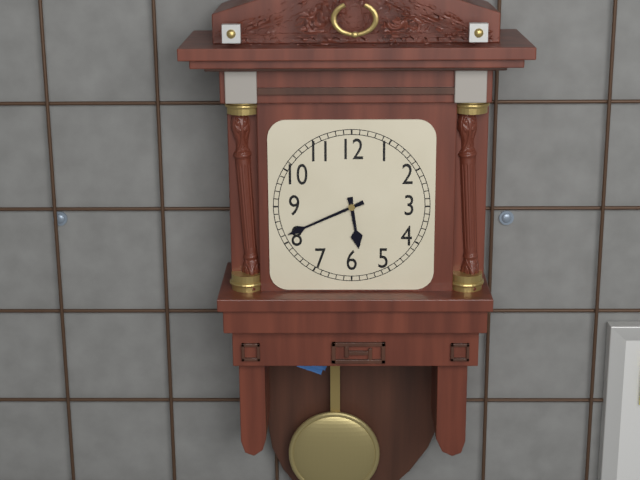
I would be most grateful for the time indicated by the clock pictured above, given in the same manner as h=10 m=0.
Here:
h=5 m=41
